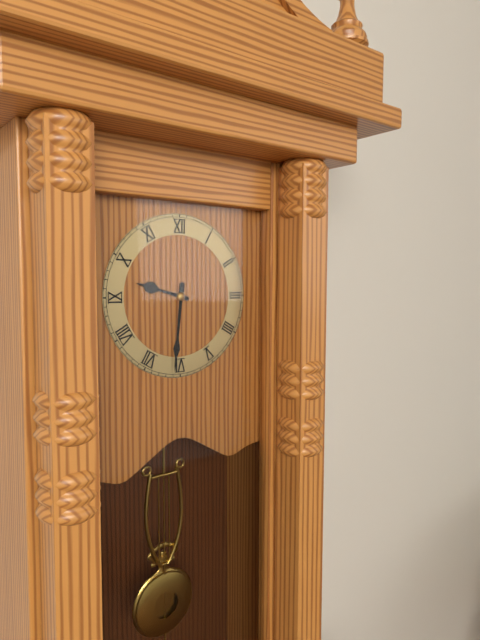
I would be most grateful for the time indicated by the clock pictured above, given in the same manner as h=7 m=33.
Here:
h=9 m=31
